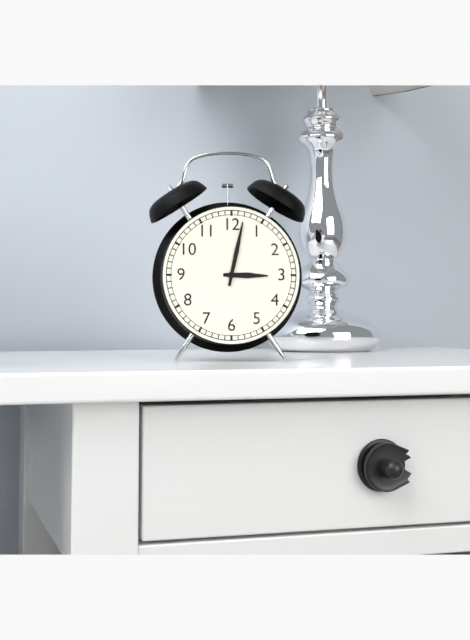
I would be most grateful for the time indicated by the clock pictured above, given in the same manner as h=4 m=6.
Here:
h=3 m=2
